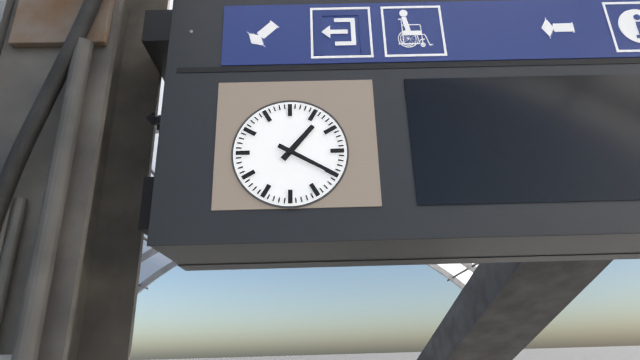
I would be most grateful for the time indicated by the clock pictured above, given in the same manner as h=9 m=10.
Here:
h=1 m=20
